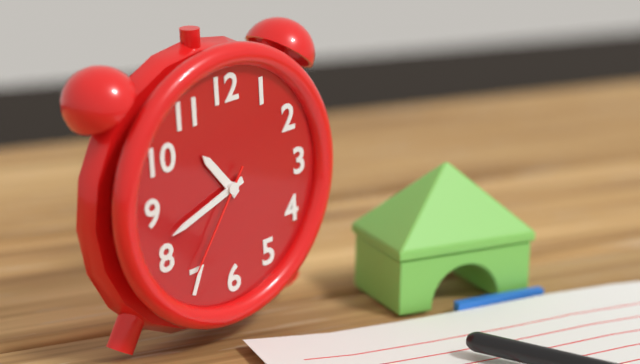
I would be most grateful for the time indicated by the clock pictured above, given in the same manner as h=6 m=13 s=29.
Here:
h=10 m=42 s=36
